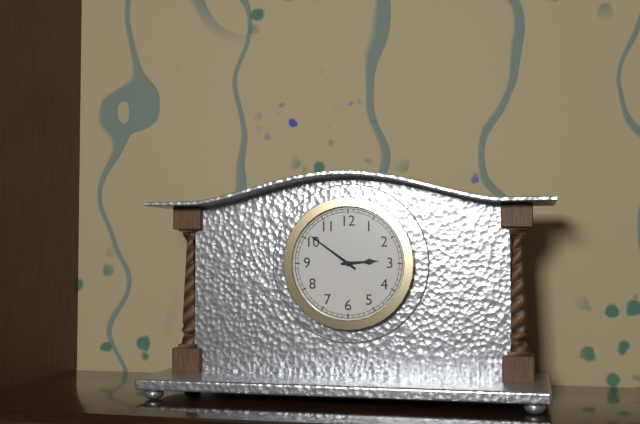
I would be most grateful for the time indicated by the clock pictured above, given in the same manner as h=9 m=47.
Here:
h=2 m=51
